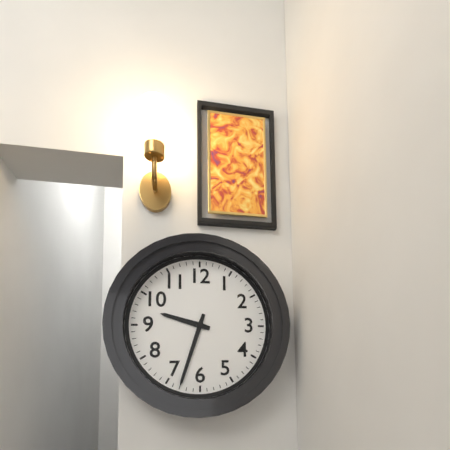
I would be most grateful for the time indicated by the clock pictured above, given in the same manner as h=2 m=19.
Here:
h=9 m=33
